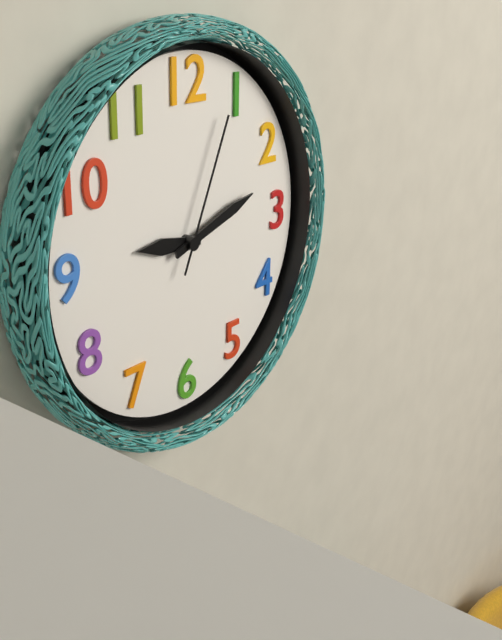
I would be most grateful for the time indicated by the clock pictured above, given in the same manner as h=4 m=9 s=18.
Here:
h=9 m=12 s=4
